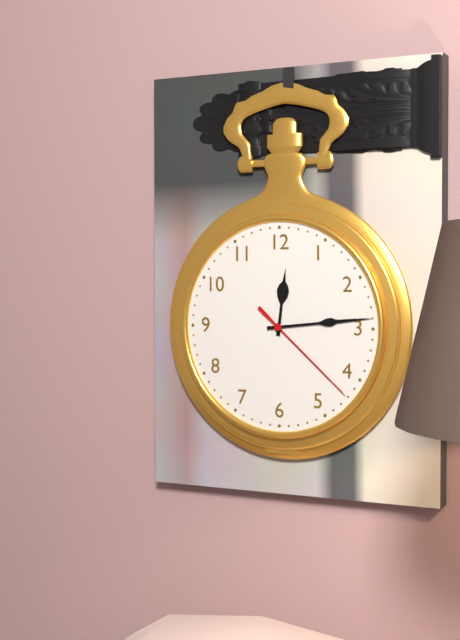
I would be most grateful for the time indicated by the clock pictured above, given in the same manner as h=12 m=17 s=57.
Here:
h=12 m=14 s=22
